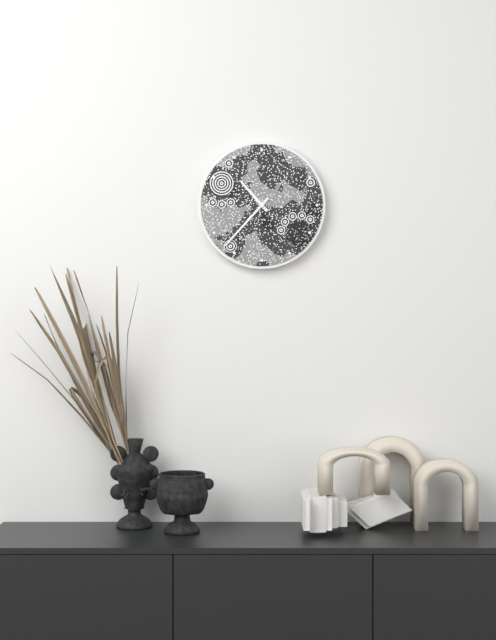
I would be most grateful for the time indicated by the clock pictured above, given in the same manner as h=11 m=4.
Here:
h=10 m=37
